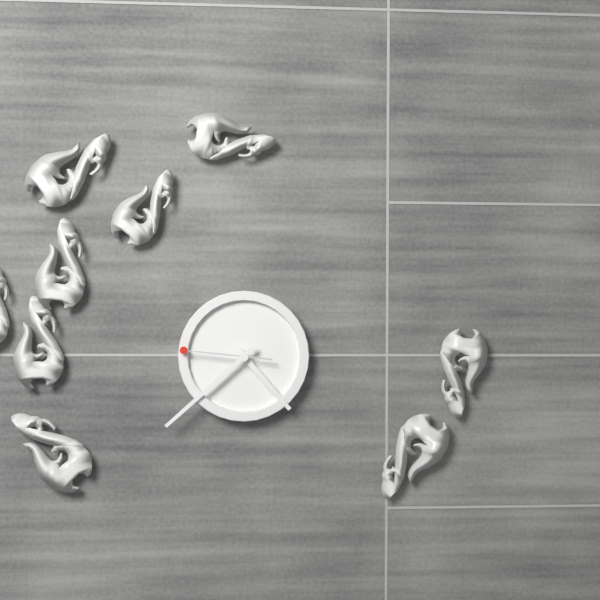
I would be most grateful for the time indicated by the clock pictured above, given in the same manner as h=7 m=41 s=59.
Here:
h=4 m=38 s=46
